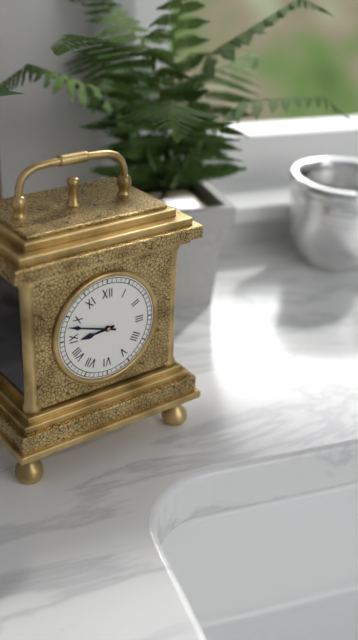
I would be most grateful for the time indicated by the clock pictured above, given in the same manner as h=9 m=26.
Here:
h=8 m=48
